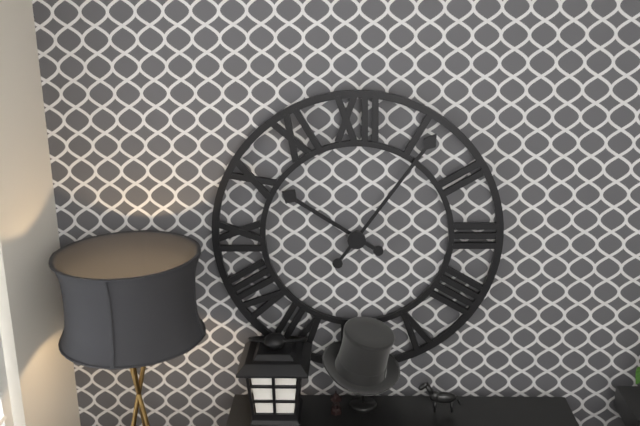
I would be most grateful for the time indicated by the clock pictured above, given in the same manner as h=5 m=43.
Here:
h=10 m=6
